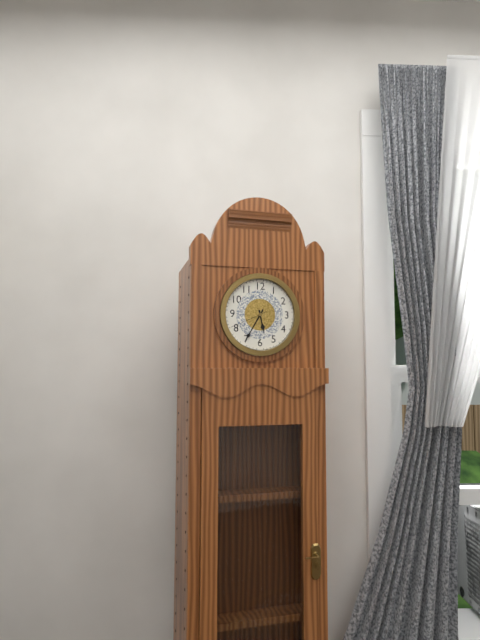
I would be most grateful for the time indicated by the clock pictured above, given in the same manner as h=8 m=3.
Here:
h=5 m=35
